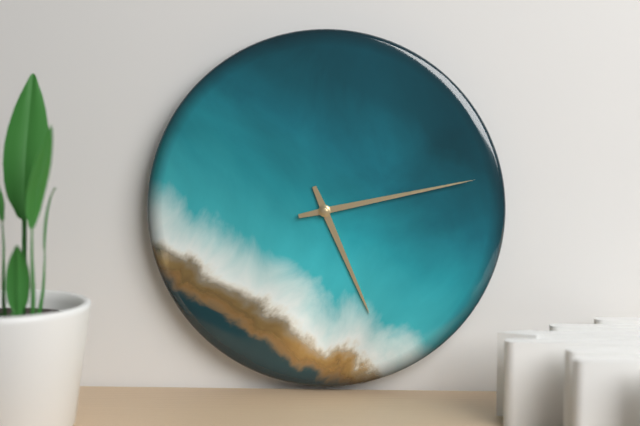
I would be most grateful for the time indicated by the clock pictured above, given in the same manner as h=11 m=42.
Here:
h=5 m=13
